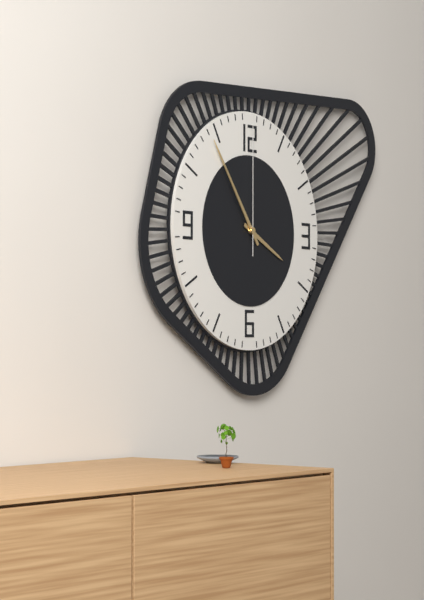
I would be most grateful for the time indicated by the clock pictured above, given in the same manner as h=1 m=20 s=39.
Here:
h=3 m=54 s=0
